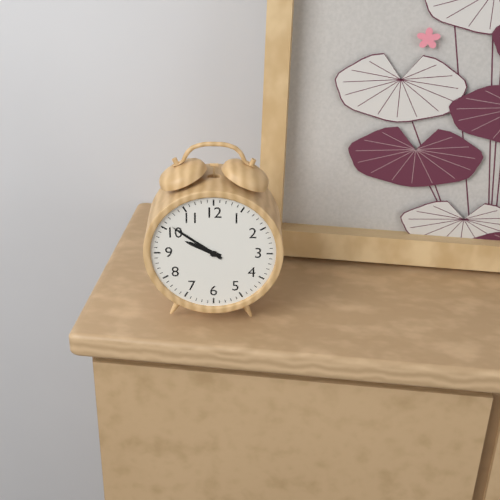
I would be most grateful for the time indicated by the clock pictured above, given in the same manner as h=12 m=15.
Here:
h=9 m=51
